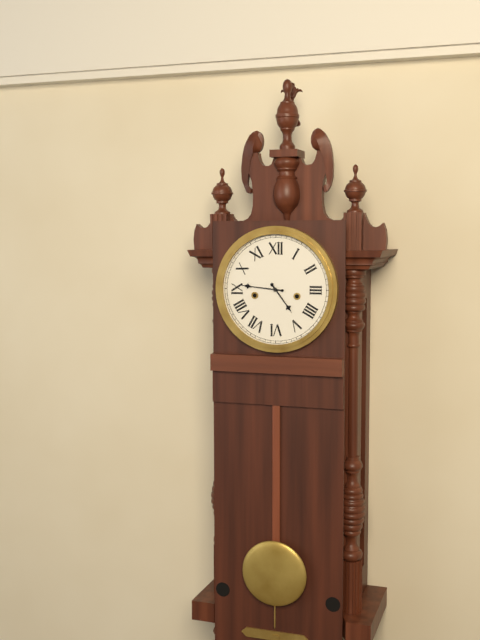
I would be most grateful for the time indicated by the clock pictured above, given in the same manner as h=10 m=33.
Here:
h=4 m=46
